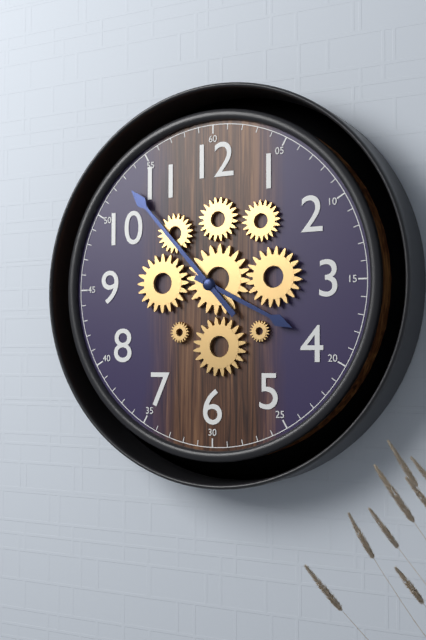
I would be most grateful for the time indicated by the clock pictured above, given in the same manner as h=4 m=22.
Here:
h=3 m=53
